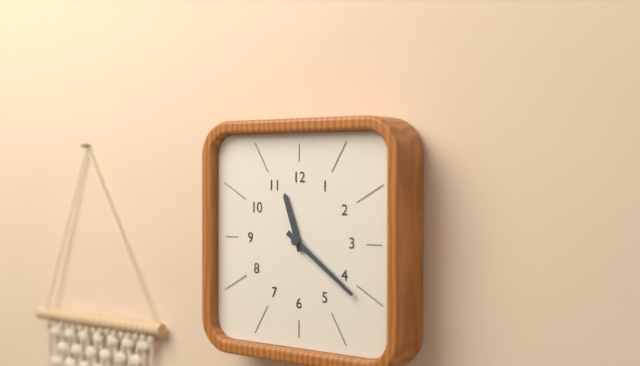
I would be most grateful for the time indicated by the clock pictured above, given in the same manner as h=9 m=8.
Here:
h=11 m=21
